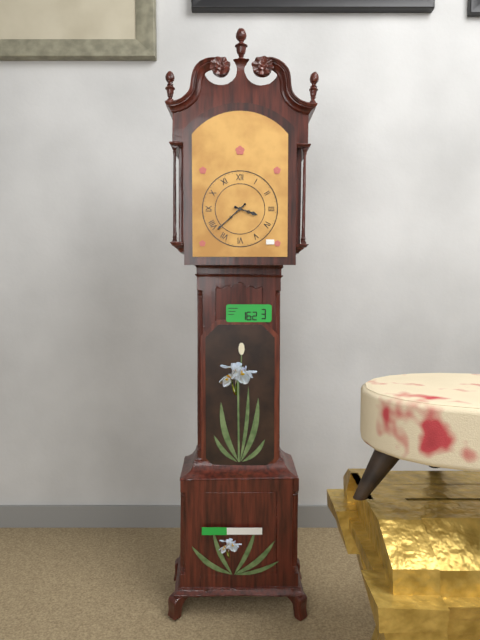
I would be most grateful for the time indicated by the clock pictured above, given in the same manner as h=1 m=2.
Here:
h=3 m=38
